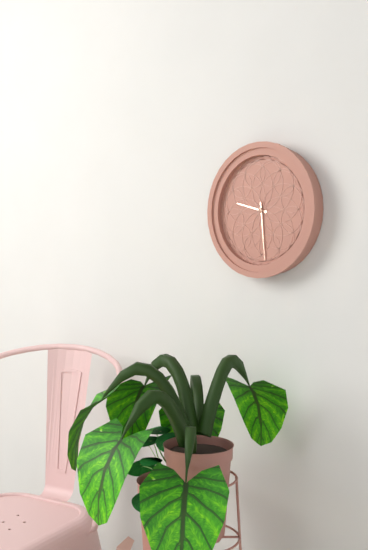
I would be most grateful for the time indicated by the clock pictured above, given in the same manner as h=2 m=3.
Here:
h=9 m=29
